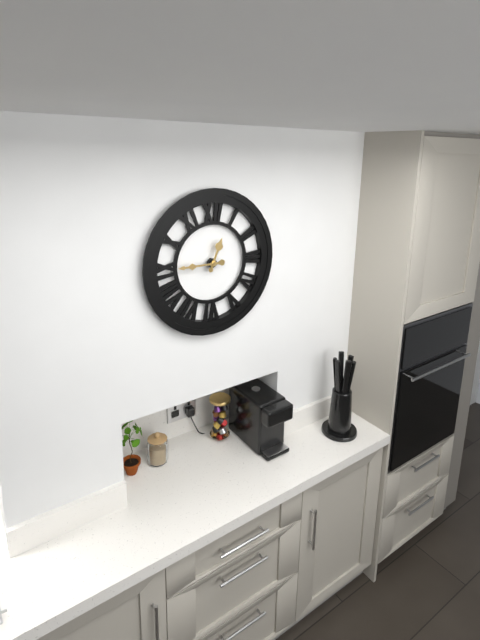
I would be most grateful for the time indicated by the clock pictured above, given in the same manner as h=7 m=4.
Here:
h=12 m=45
